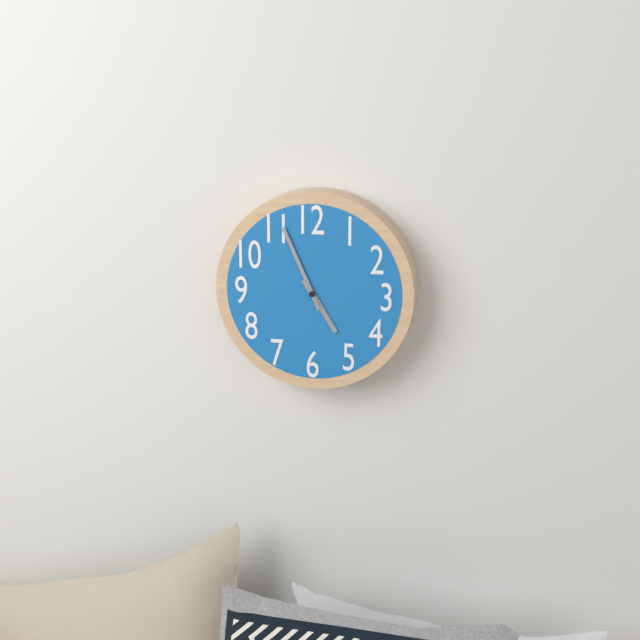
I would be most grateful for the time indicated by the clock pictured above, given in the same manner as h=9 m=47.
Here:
h=4 m=56
